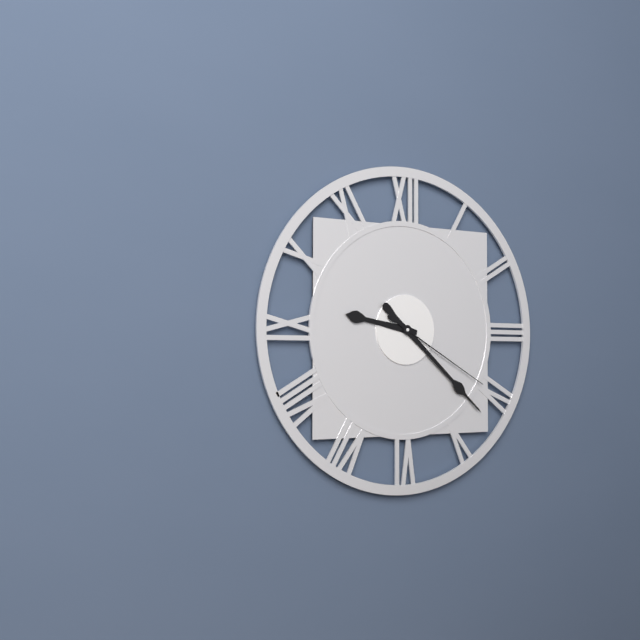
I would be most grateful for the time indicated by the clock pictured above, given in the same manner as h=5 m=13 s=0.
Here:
h=9 m=22 s=20
